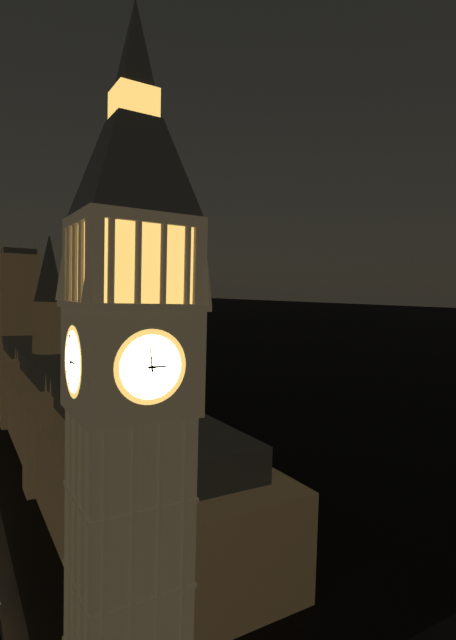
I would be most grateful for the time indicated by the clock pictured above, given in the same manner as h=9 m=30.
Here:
h=2 m=59
